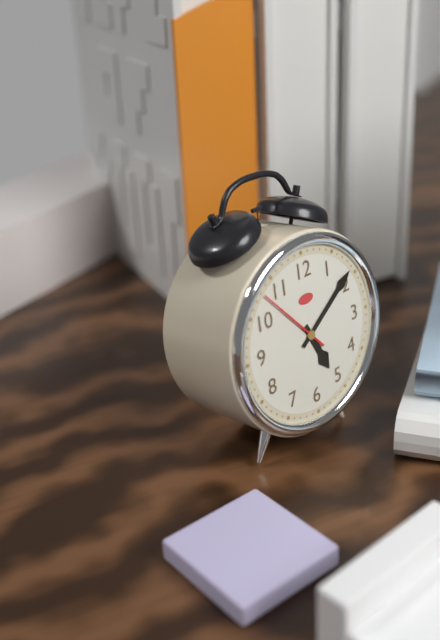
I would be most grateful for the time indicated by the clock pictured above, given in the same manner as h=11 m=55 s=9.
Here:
h=5 m=9 s=53
